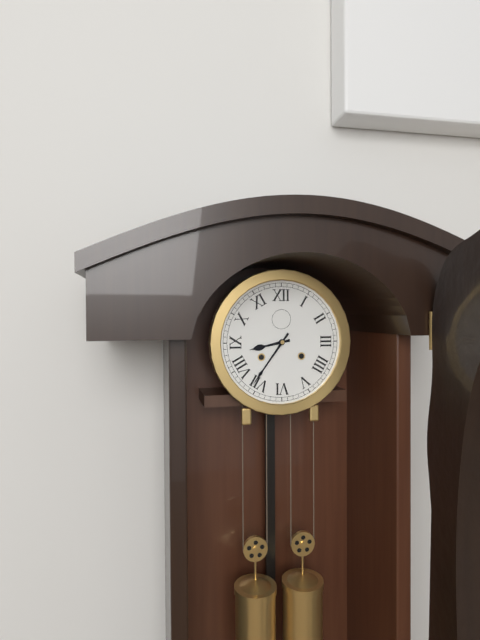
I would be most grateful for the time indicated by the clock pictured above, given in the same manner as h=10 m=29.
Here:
h=8 m=36
